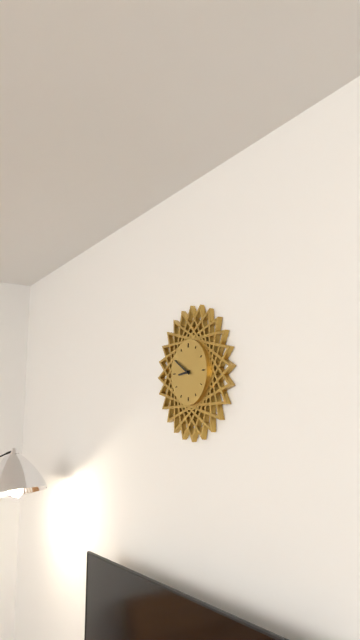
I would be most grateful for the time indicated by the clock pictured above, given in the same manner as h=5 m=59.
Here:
h=8 m=50
